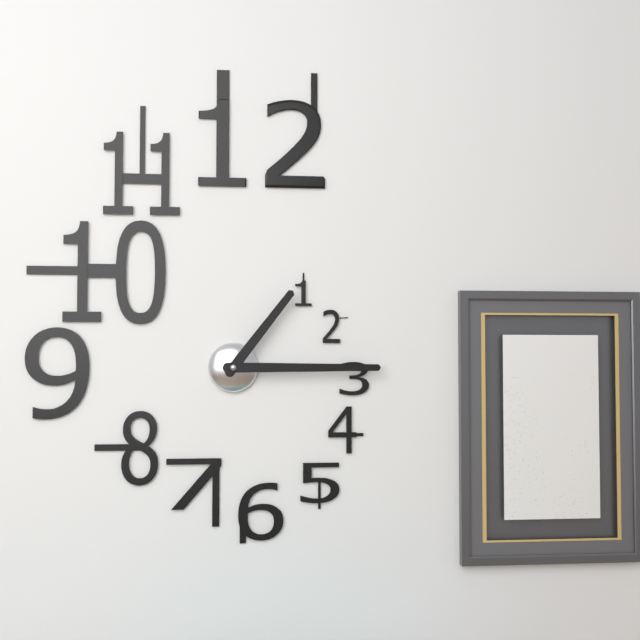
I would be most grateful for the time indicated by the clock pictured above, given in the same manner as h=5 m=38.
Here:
h=1 m=15
